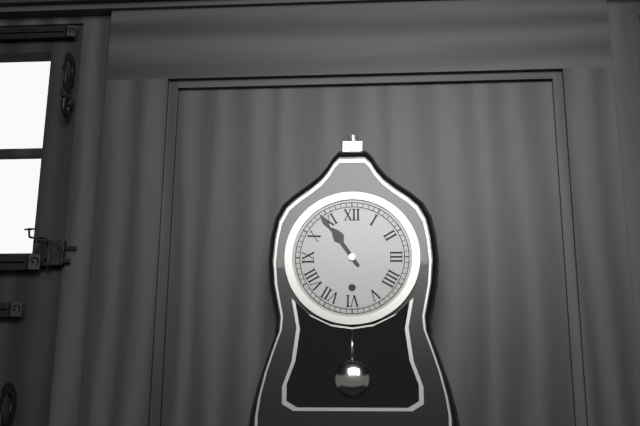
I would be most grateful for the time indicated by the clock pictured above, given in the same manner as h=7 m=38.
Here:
h=10 m=54
